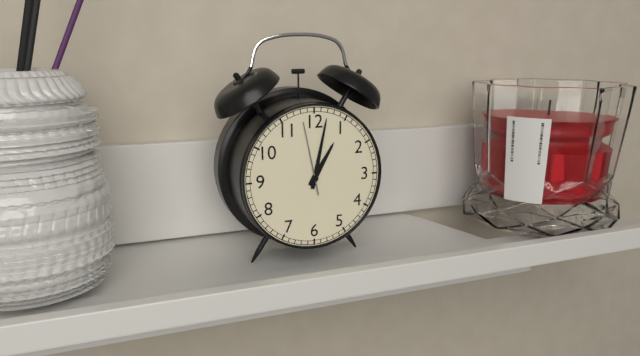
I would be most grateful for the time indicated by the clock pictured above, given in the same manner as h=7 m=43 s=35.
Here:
h=1 m=2 s=58
